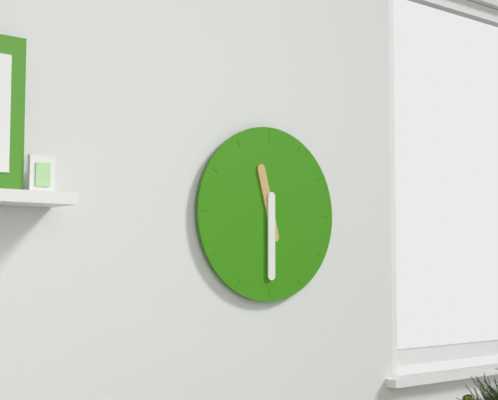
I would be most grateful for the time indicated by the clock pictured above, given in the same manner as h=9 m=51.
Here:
h=11 m=30
